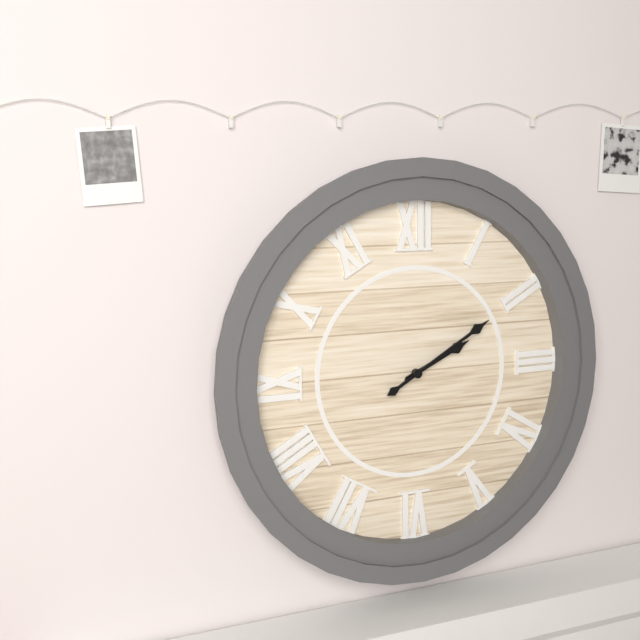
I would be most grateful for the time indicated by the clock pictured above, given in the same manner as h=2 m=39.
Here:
h=2 m=10
